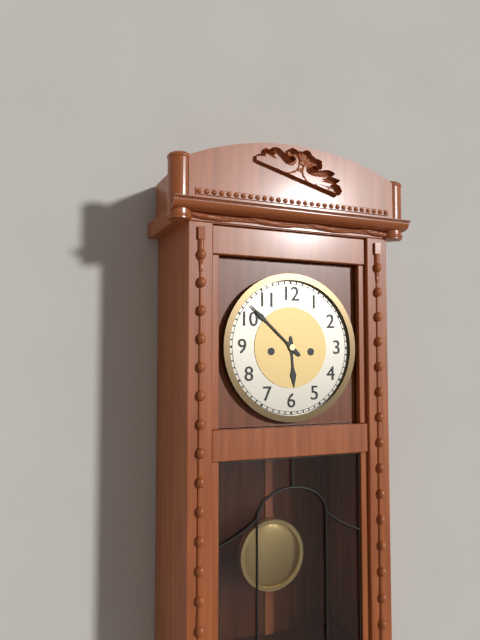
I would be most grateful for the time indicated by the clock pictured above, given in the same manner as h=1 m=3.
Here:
h=5 m=52
